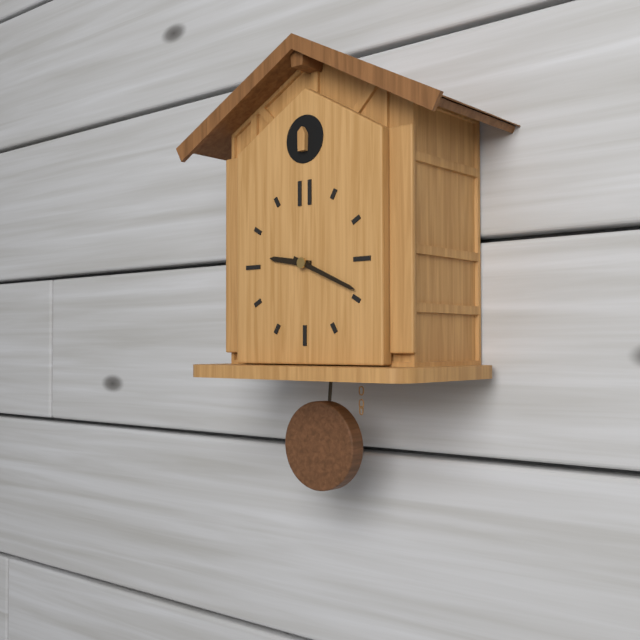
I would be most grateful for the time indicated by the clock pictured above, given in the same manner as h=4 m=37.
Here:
h=9 m=19
